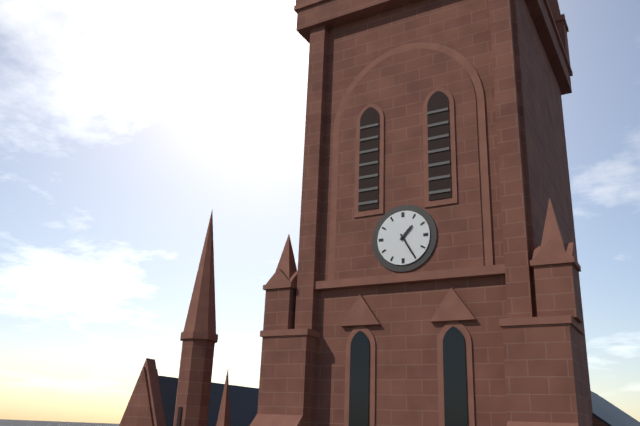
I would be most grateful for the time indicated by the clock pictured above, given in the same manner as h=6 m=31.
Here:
h=1 m=25
